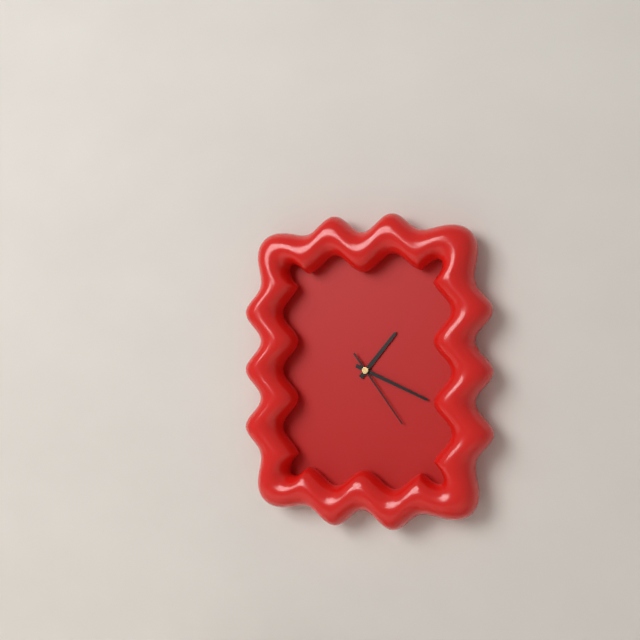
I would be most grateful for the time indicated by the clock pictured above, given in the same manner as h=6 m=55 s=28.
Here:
h=1 m=19 s=24
